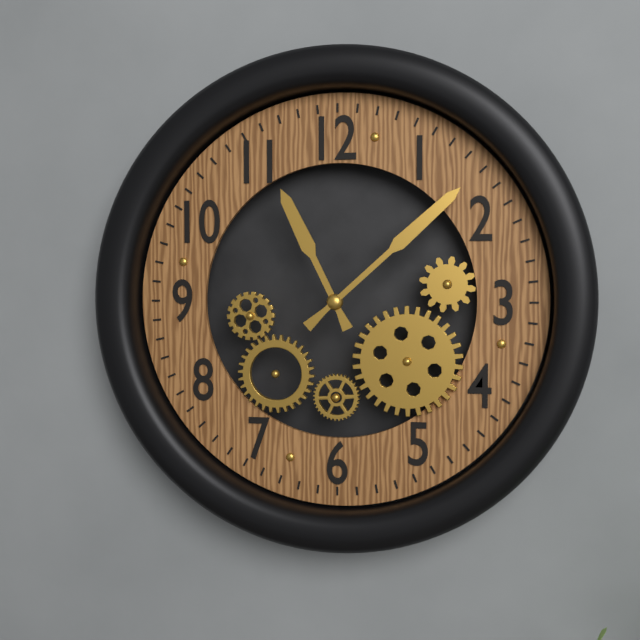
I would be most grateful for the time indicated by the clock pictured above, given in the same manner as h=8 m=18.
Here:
h=11 m=8
